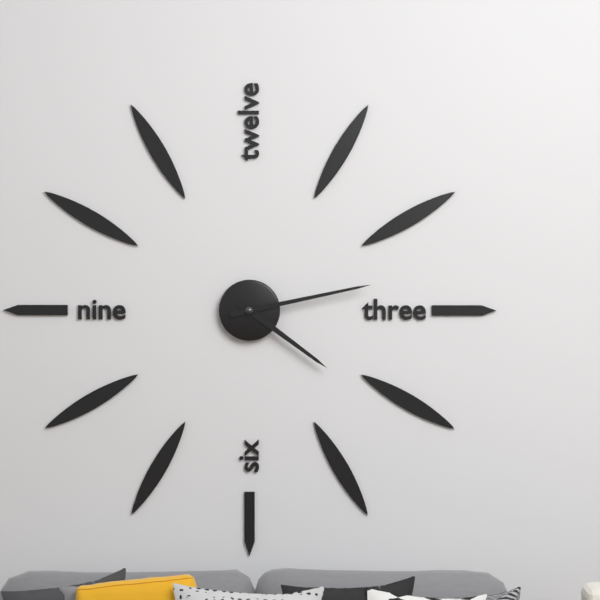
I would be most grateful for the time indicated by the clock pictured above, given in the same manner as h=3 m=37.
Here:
h=4 m=13
